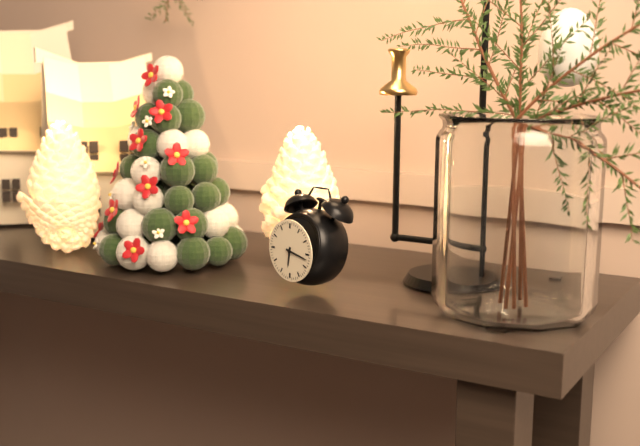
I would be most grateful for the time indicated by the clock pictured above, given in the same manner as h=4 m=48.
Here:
h=6 m=17
